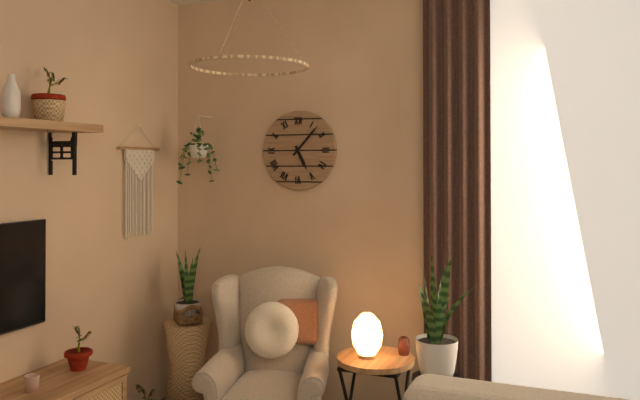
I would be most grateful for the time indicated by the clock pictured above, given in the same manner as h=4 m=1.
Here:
h=5 m=7
